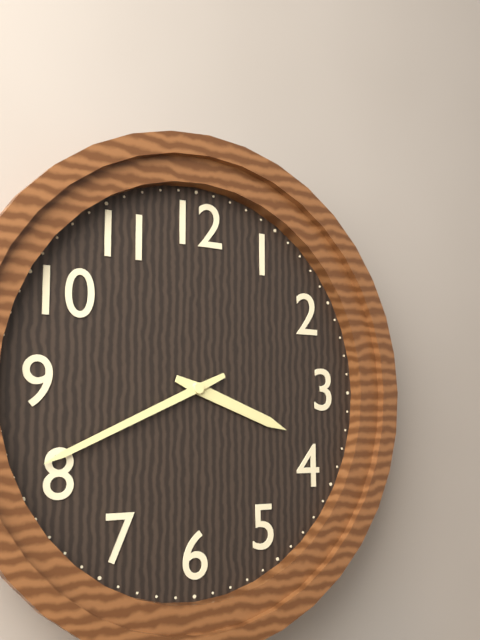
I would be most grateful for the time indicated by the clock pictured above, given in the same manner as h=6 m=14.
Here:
h=3 m=41
